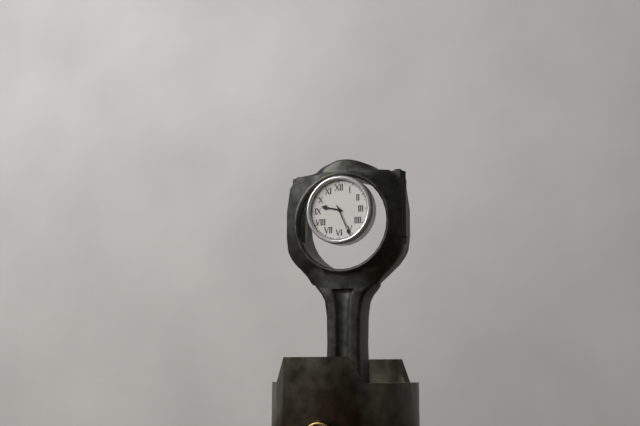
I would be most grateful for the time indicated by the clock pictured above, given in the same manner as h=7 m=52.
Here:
h=9 m=26
